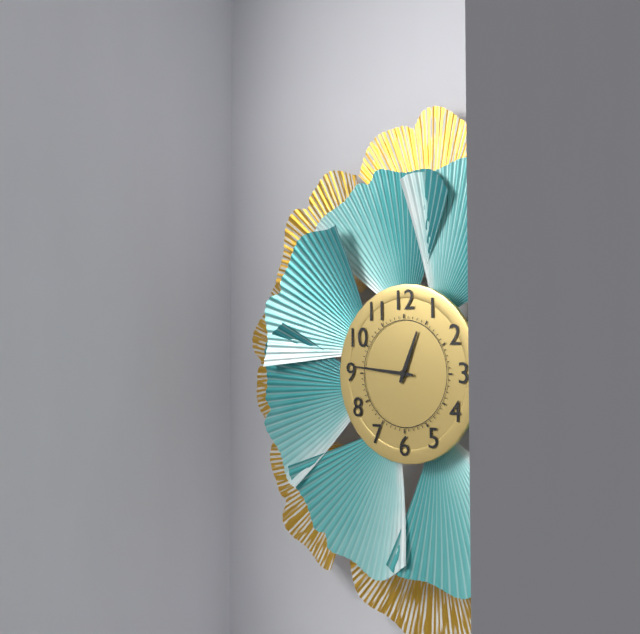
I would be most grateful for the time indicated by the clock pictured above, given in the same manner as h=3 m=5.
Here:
h=12 m=46
